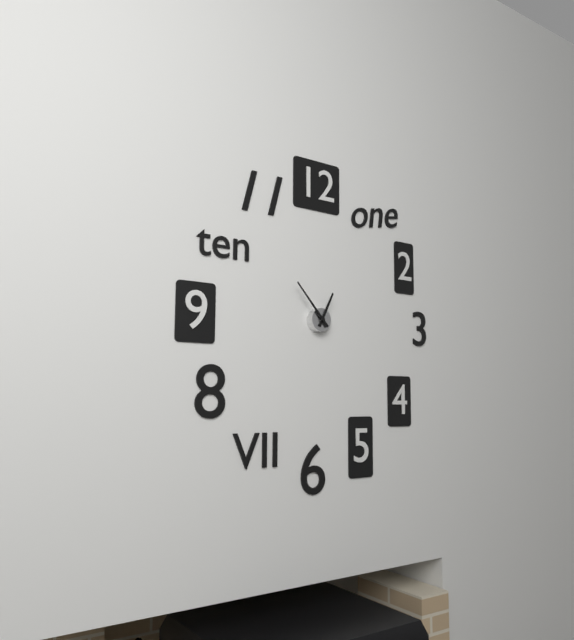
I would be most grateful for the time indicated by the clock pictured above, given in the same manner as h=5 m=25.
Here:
h=12 m=53
